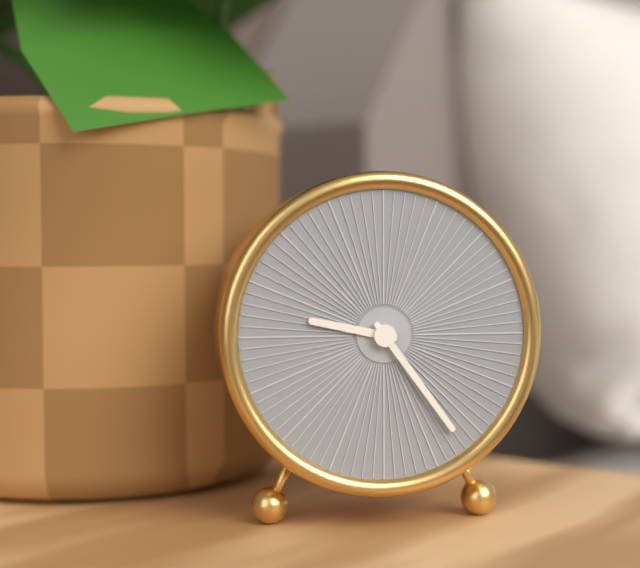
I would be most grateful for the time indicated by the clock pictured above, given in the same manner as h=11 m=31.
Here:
h=9 m=24
